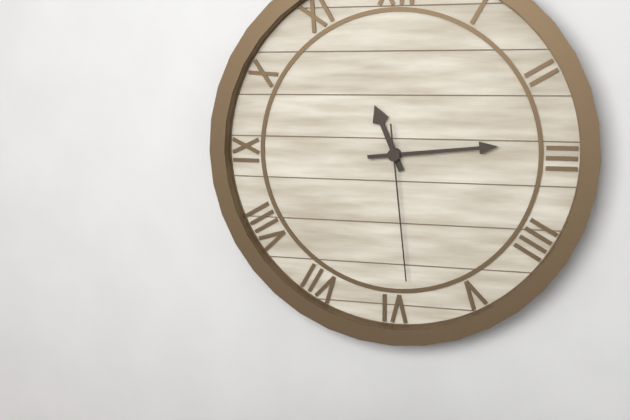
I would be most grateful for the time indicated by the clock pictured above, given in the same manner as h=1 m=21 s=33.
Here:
h=11 m=14 s=29
